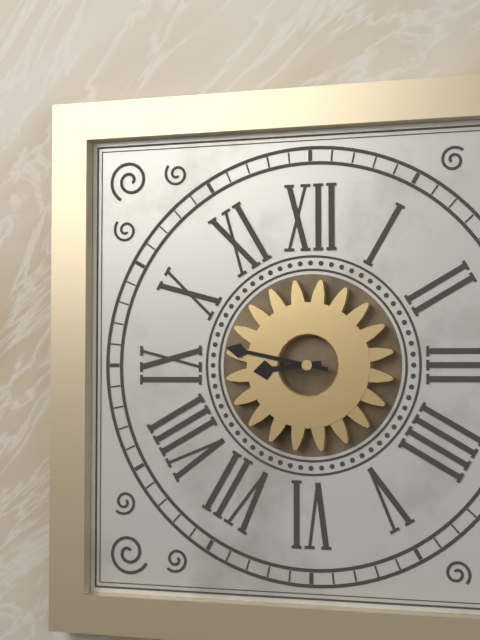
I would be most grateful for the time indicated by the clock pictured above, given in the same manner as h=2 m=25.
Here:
h=8 m=47
